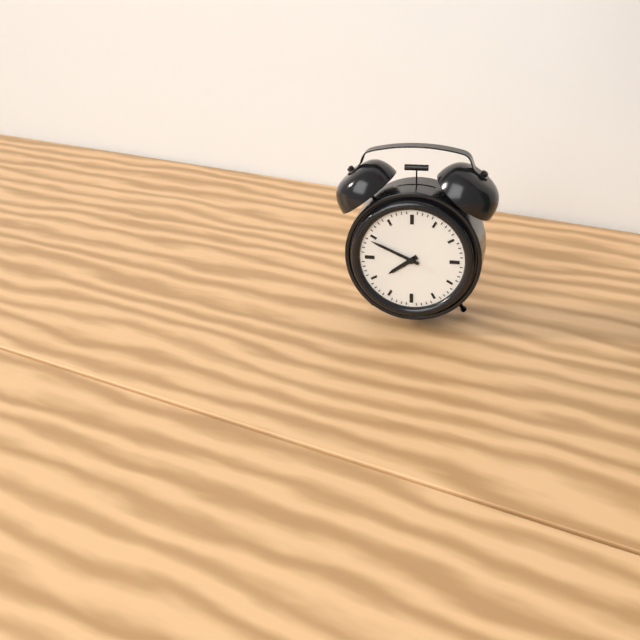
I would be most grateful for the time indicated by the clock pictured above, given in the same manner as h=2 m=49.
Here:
h=7 m=49
